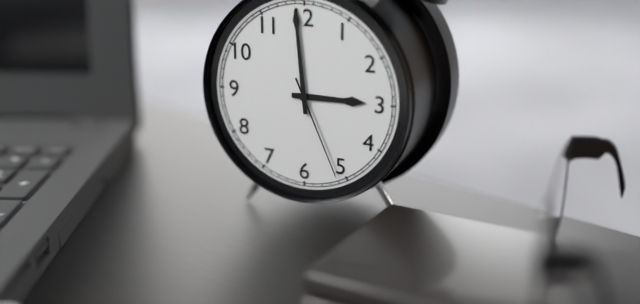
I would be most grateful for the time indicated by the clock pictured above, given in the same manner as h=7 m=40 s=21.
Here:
h=2 m=59 s=26
